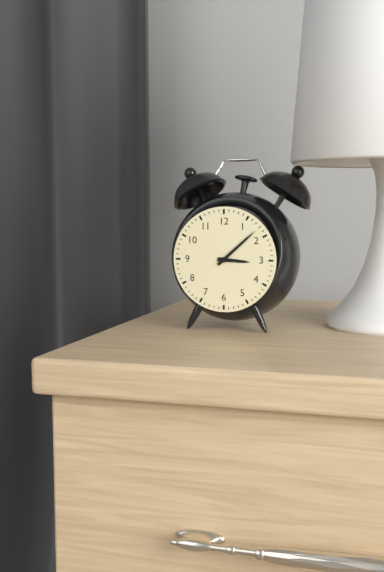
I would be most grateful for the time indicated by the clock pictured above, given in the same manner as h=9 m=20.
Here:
h=3 m=8
